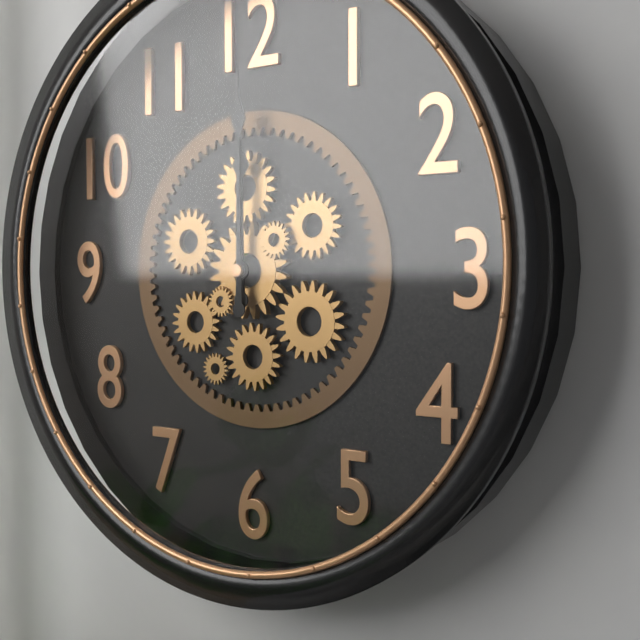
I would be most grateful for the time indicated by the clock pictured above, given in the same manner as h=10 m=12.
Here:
h=12 m=0
